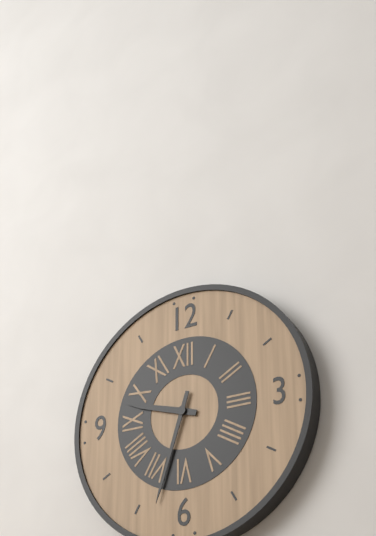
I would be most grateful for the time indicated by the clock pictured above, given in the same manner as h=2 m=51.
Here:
h=9 m=33
